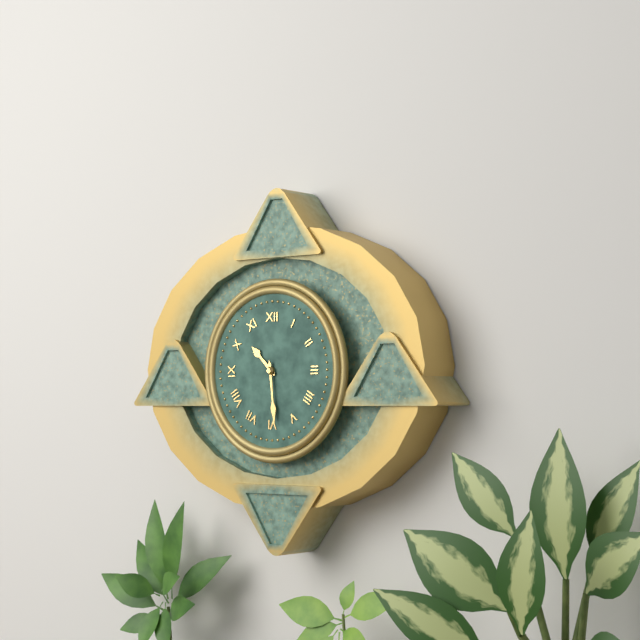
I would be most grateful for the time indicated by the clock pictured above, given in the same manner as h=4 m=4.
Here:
h=10 m=29
